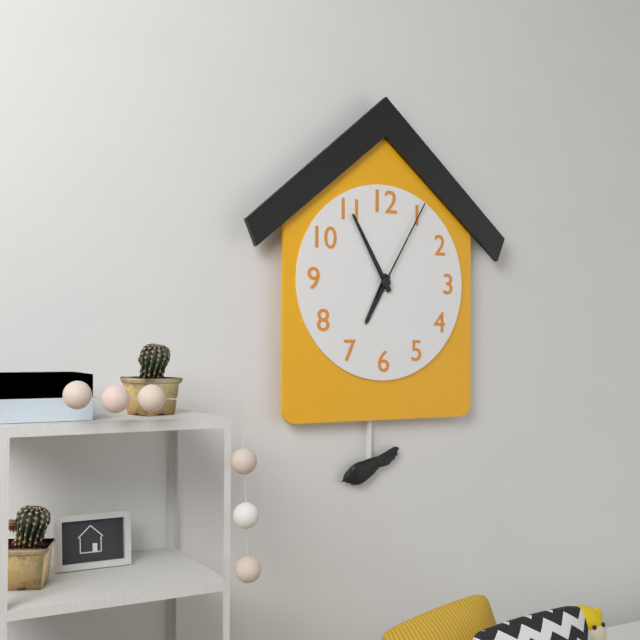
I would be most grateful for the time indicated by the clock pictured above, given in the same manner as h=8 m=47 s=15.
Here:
h=6 m=55 s=5
